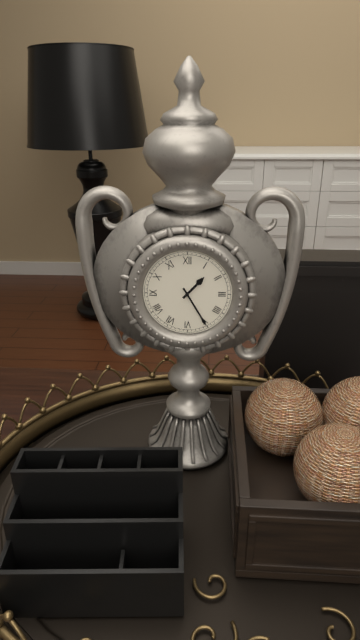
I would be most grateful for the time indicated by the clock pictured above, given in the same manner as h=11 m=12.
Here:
h=1 m=25
